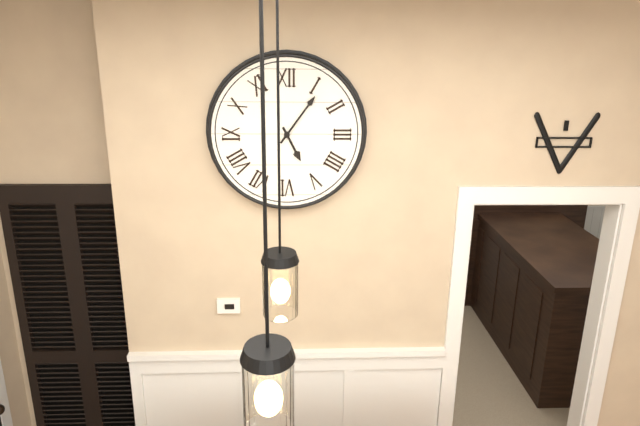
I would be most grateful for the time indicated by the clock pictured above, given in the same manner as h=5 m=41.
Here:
h=5 m=6
